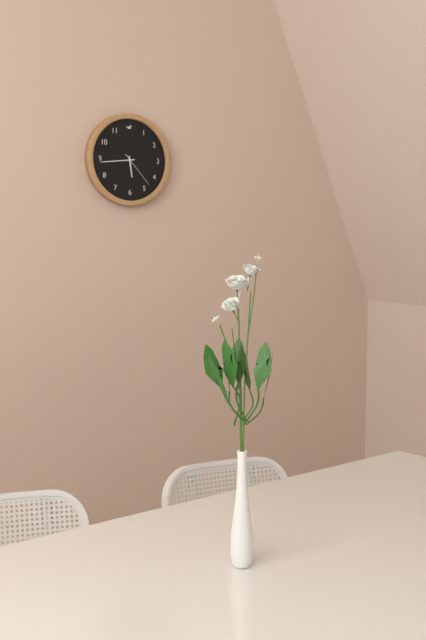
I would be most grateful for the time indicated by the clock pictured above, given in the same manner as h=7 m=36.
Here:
h=5 m=44
